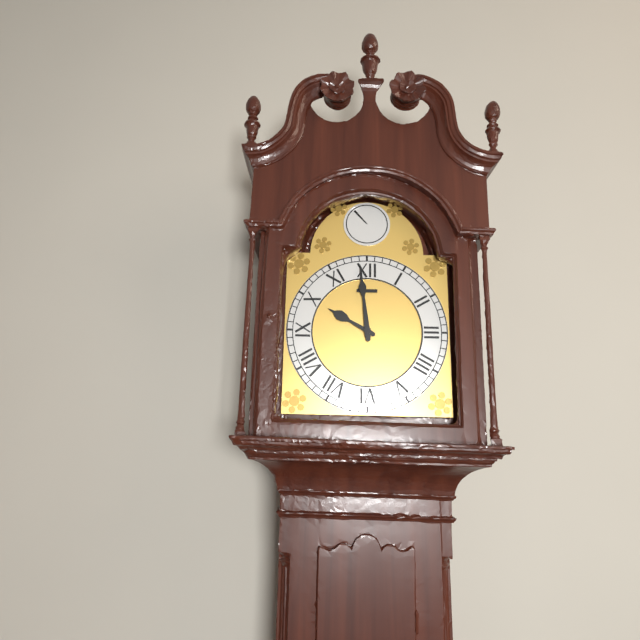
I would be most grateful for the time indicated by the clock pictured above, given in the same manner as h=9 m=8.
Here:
h=9 m=59
